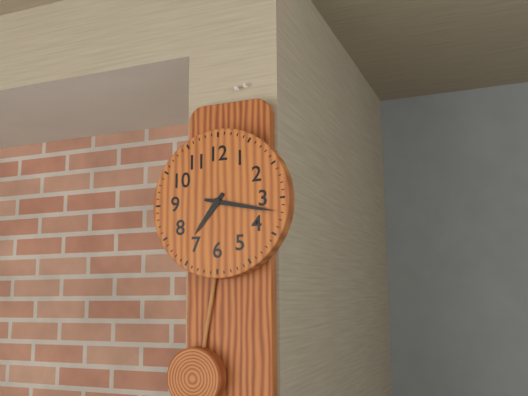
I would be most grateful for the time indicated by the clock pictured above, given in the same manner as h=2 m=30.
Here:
h=7 m=17
